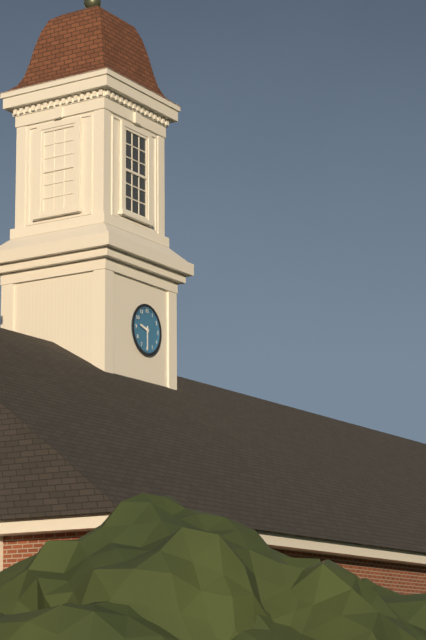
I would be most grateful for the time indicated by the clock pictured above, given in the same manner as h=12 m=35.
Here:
h=9 m=30
